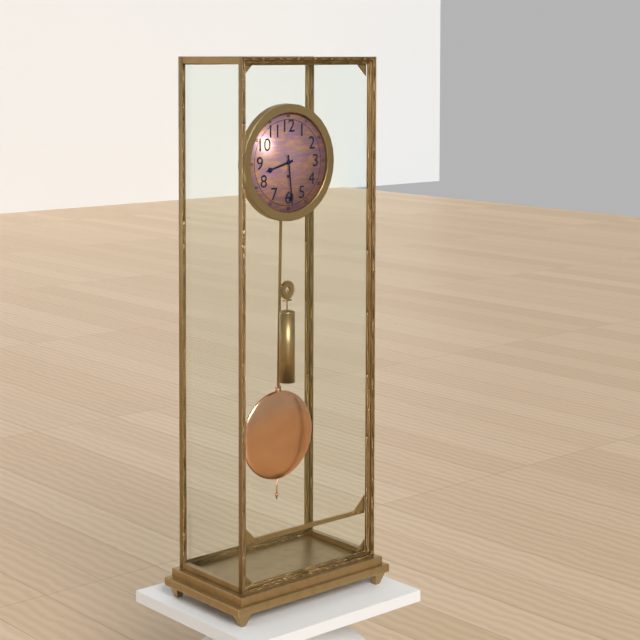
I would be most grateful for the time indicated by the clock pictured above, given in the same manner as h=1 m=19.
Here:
h=8 m=29
